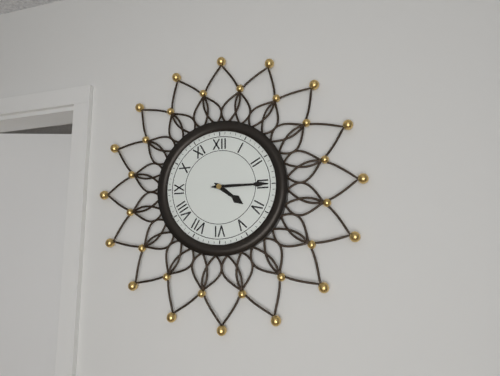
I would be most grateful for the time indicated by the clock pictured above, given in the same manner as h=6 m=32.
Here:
h=4 m=15
